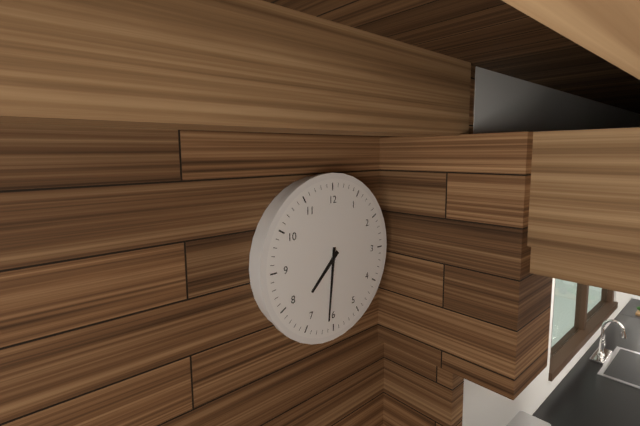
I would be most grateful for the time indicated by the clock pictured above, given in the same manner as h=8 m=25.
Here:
h=7 m=31
